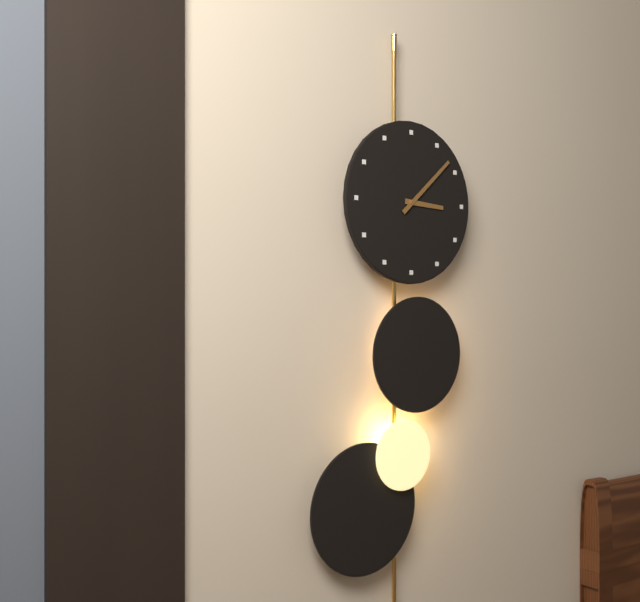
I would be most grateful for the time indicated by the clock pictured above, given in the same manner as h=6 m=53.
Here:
h=3 m=8
